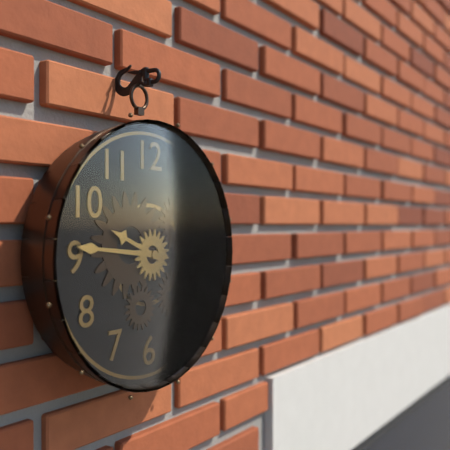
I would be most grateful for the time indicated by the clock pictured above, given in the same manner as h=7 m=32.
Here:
h=9 m=46
